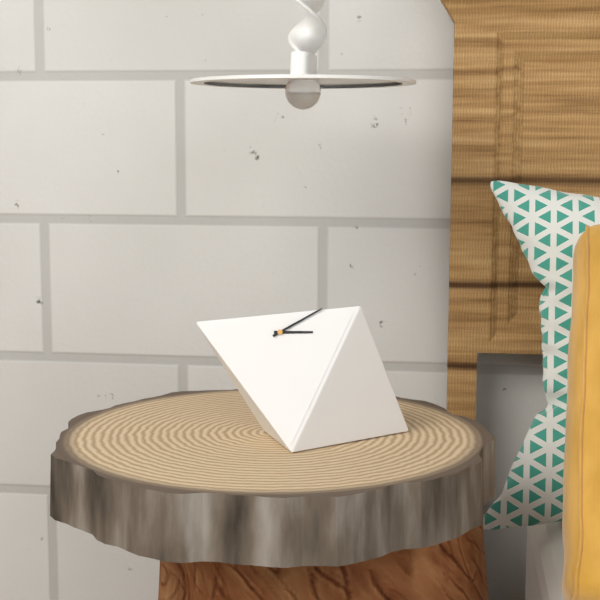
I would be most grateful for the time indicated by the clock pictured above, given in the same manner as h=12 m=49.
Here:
h=3 m=11
